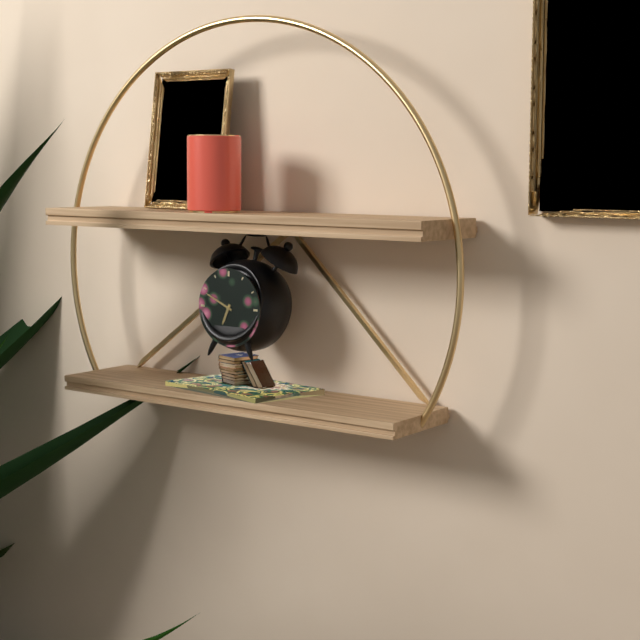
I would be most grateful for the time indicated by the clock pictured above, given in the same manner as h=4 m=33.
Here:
h=6 m=49
